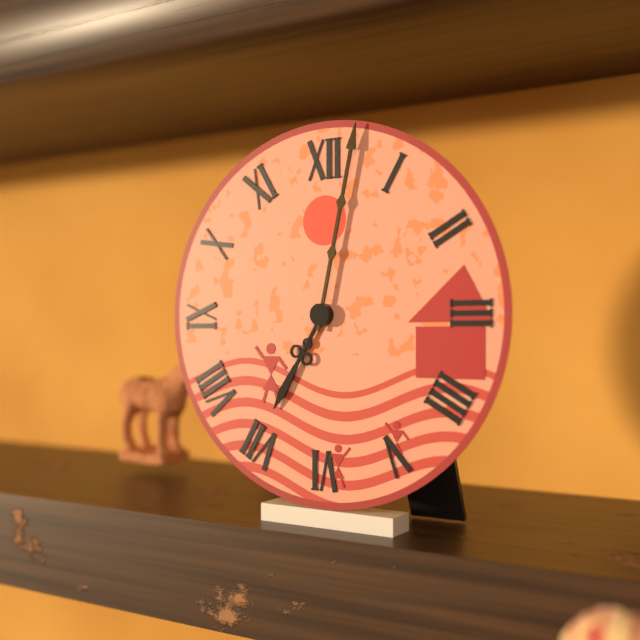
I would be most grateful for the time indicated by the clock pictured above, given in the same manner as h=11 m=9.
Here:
h=7 m=2
